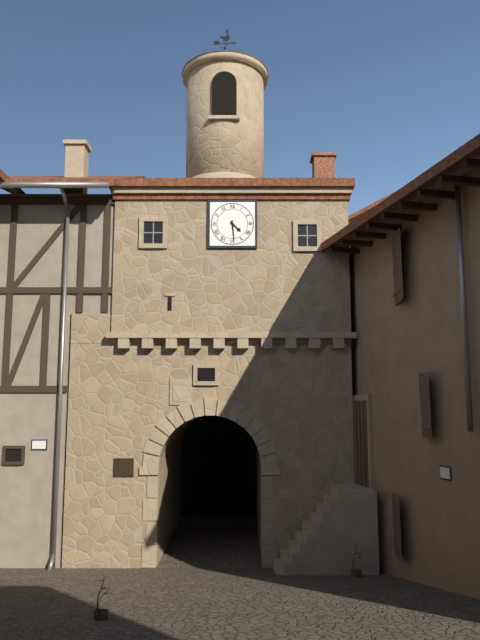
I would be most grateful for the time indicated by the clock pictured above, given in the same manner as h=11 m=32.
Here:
h=4 m=29
